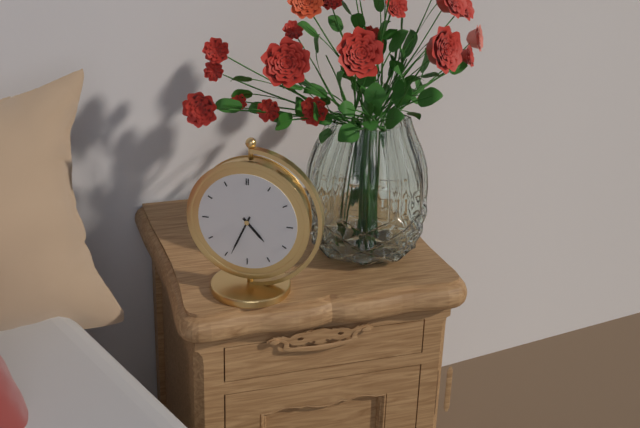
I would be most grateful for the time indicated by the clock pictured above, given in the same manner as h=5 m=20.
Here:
h=4 m=34
